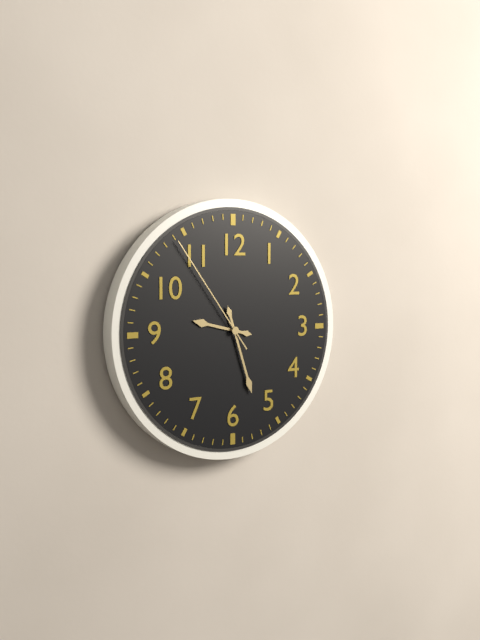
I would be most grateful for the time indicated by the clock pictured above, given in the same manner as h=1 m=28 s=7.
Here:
h=9 m=27 s=54
